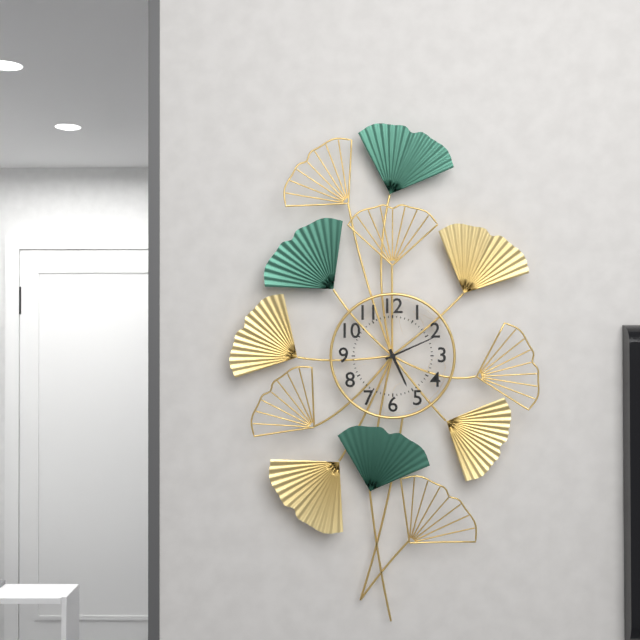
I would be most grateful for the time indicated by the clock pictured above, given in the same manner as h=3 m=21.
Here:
h=5 m=11
